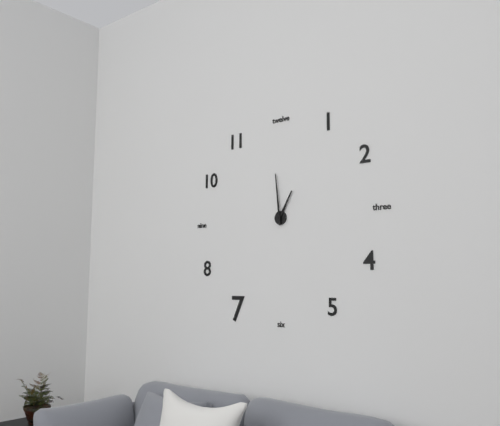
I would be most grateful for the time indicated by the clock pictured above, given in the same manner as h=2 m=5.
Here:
h=12 m=59
